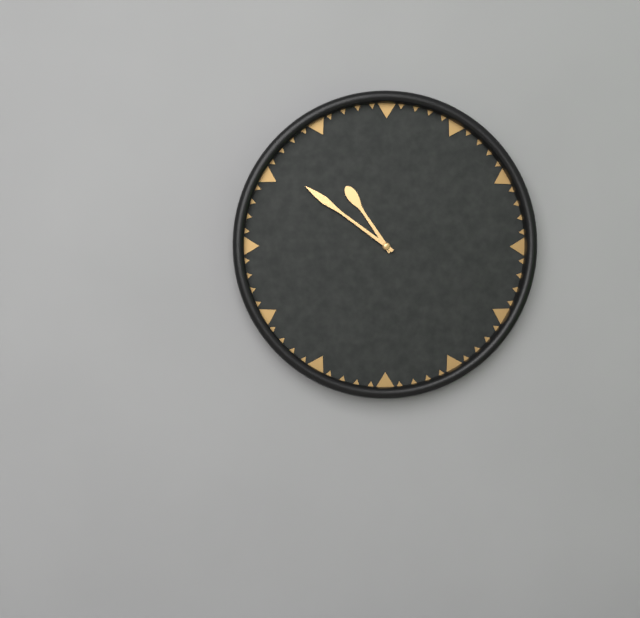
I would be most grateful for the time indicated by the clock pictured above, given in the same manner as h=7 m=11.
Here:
h=10 m=51
